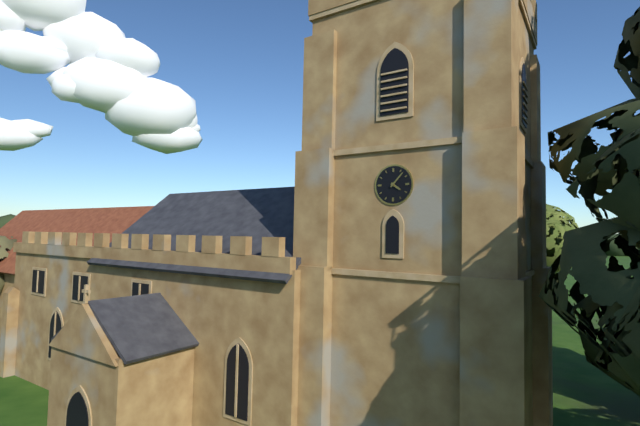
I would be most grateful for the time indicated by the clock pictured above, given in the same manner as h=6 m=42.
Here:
h=4 m=7
